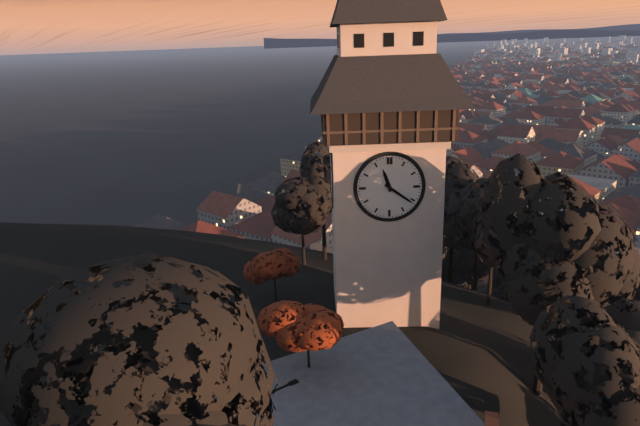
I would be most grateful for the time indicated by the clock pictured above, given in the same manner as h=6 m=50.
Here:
h=11 m=21
